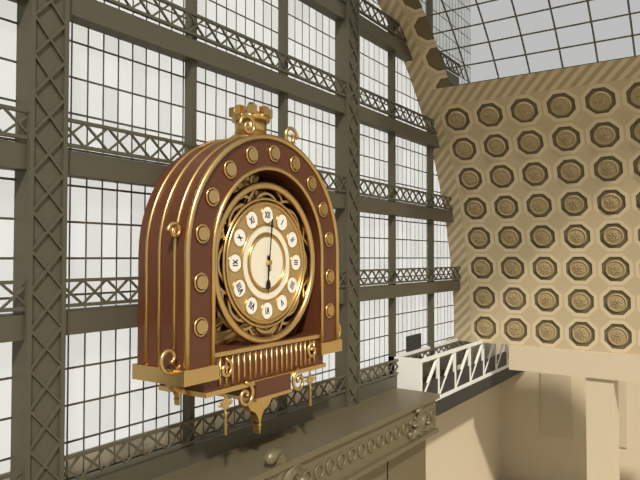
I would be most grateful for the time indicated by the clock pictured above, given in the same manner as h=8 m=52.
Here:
h=6 m=1
